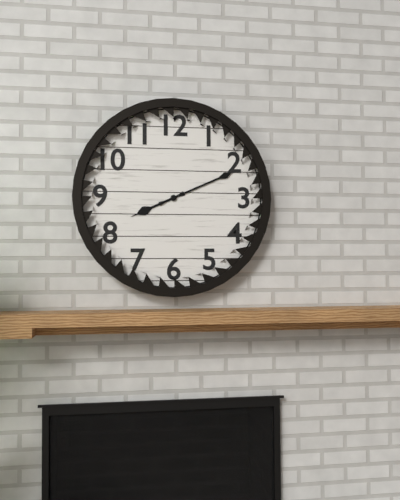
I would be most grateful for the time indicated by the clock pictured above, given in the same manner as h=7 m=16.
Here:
h=8 m=11
